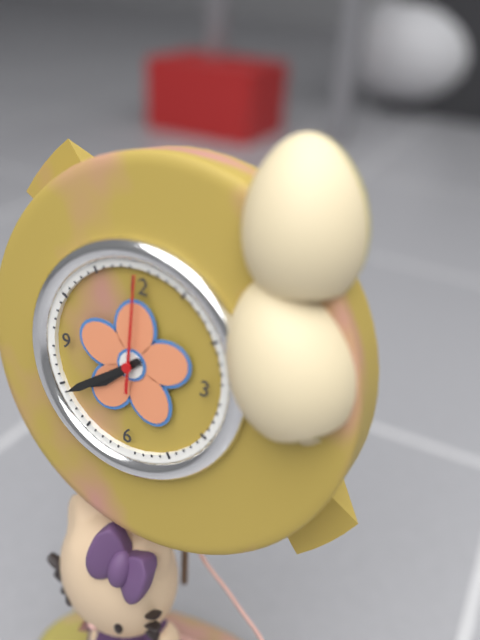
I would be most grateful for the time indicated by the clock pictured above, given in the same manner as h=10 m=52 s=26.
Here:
h=7 m=39 s=0
